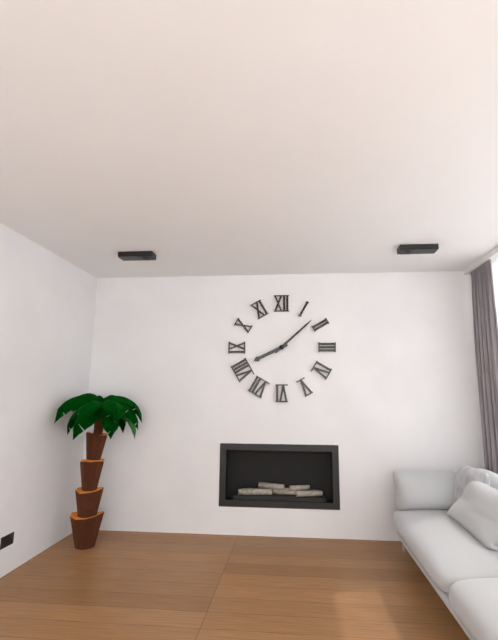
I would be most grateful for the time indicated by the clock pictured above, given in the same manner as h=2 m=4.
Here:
h=8 m=8
